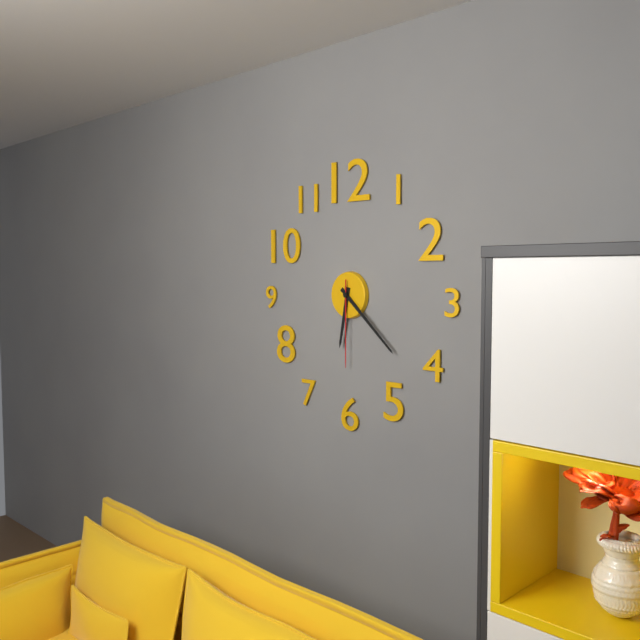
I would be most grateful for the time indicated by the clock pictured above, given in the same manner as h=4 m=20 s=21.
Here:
h=6 m=22 s=30
